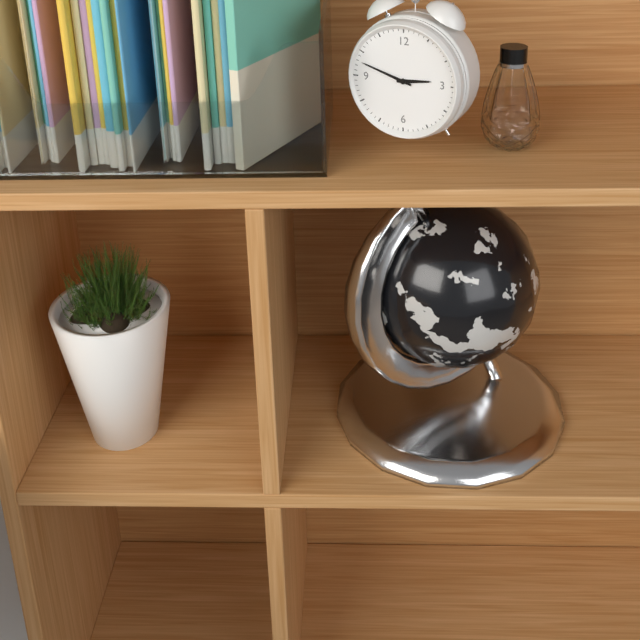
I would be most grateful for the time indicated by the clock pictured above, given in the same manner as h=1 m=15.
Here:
h=2 m=48
